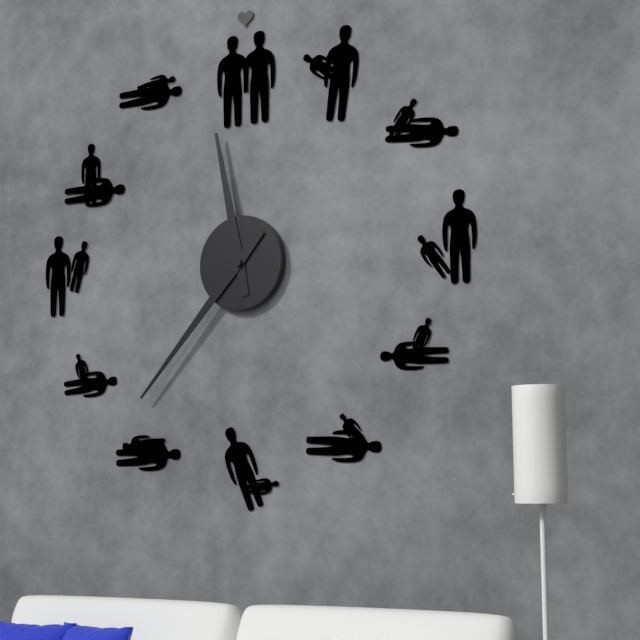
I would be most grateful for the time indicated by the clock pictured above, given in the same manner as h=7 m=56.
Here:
h=11 m=37
